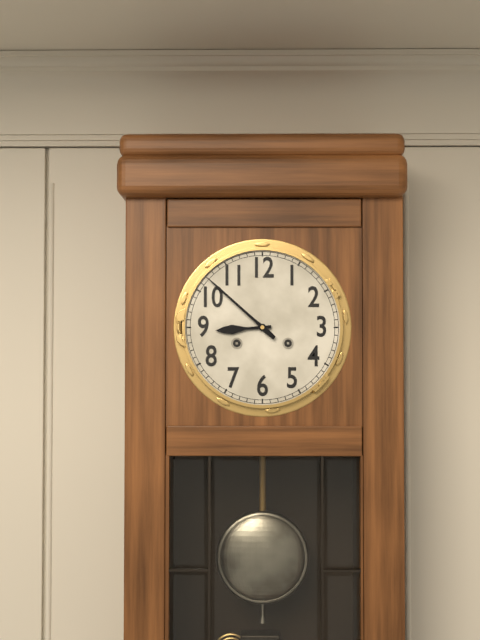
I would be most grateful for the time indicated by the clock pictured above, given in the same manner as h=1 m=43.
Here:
h=8 m=52
